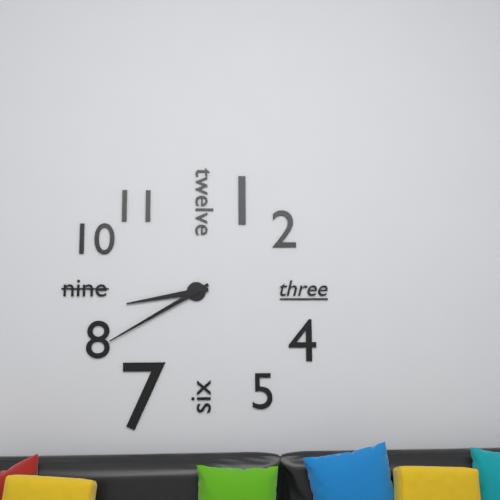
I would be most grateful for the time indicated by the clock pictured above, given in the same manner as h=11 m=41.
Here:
h=8 m=40
